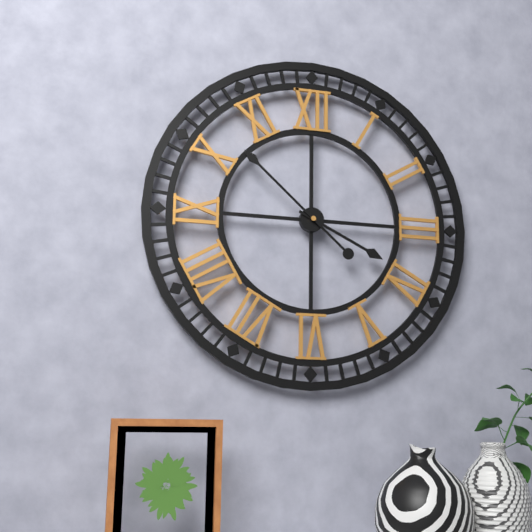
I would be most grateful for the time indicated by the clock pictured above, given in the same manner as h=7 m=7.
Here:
h=3 m=52
